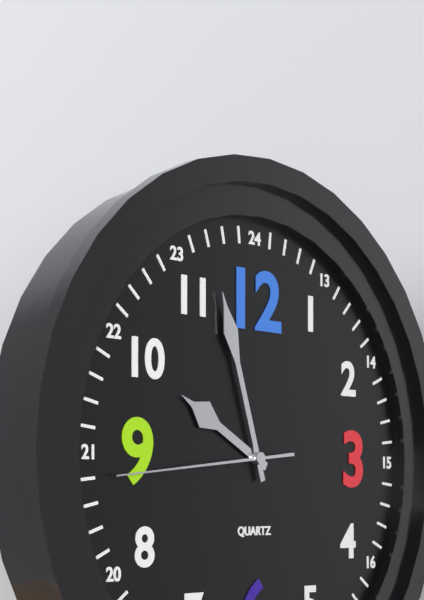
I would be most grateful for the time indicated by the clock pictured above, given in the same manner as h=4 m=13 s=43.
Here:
h=9 m=57 s=44
